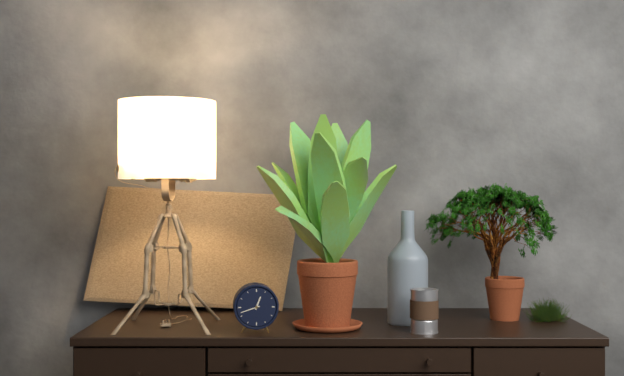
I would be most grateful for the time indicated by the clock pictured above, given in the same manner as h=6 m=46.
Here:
h=12 m=42
